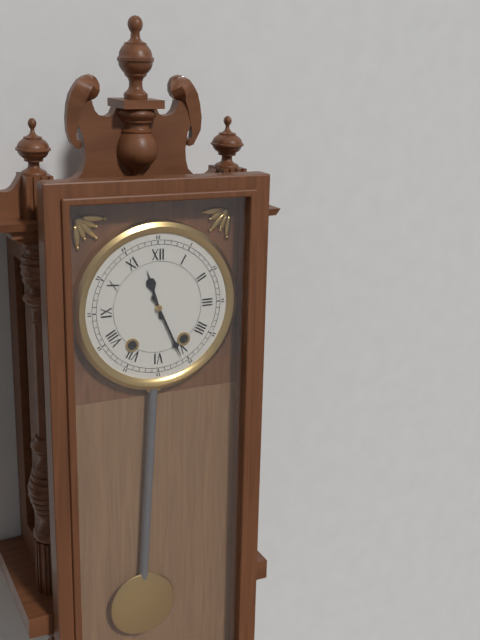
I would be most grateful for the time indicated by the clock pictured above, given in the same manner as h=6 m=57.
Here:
h=11 m=26
